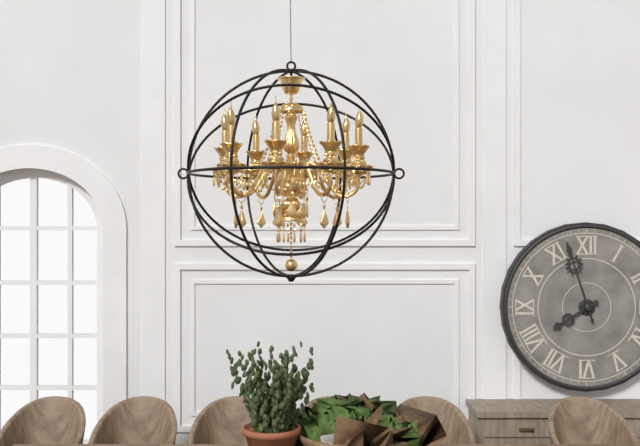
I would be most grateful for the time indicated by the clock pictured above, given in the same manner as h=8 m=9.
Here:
h=7 m=57
